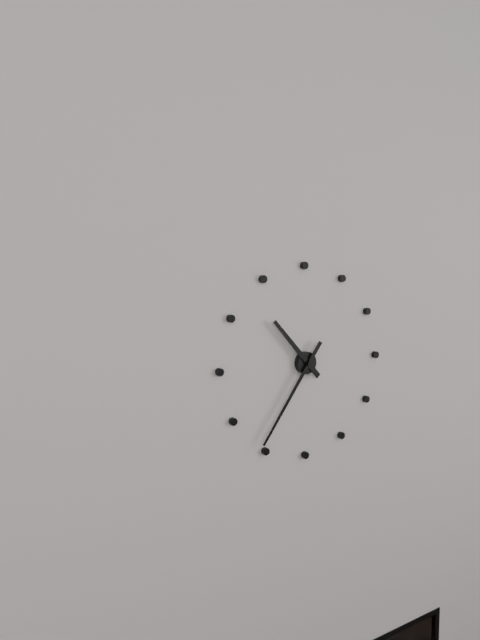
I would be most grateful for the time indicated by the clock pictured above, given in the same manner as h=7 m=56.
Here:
h=10 m=36
